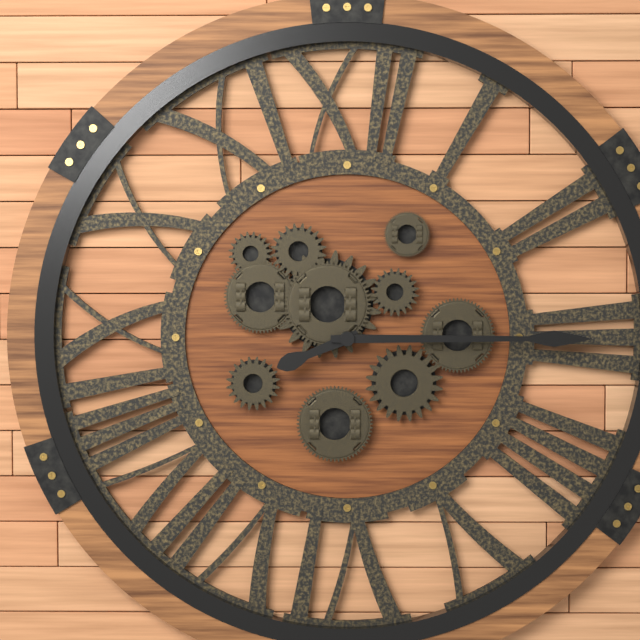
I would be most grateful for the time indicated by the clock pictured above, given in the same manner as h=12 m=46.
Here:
h=8 m=15
